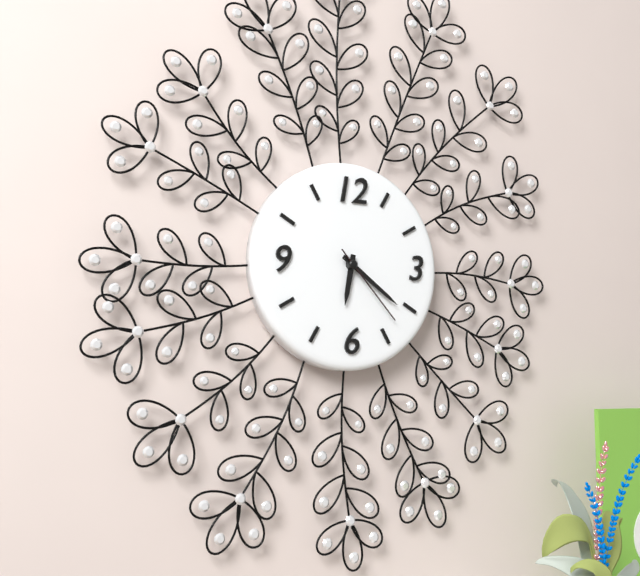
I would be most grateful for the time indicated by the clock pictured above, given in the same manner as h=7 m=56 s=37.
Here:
h=6 m=21 s=23
